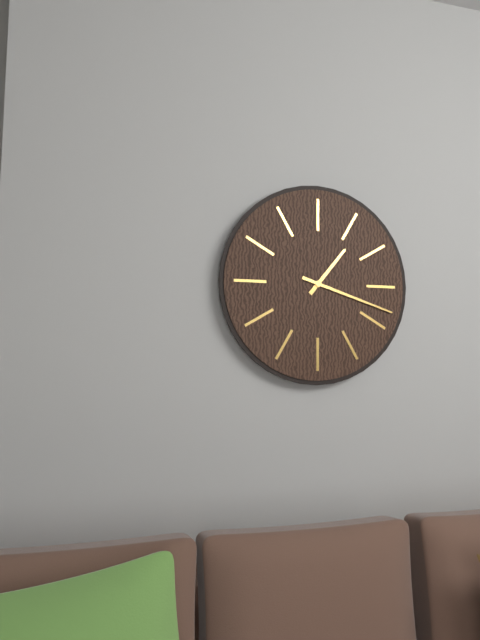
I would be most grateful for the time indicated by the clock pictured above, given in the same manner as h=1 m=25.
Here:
h=1 m=18
